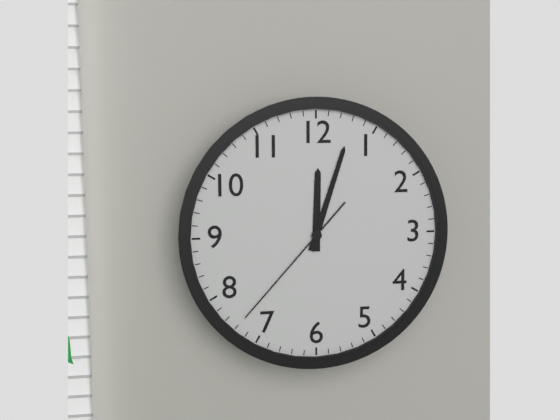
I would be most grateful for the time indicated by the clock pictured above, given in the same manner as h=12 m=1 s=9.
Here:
h=12 m=3 s=37
